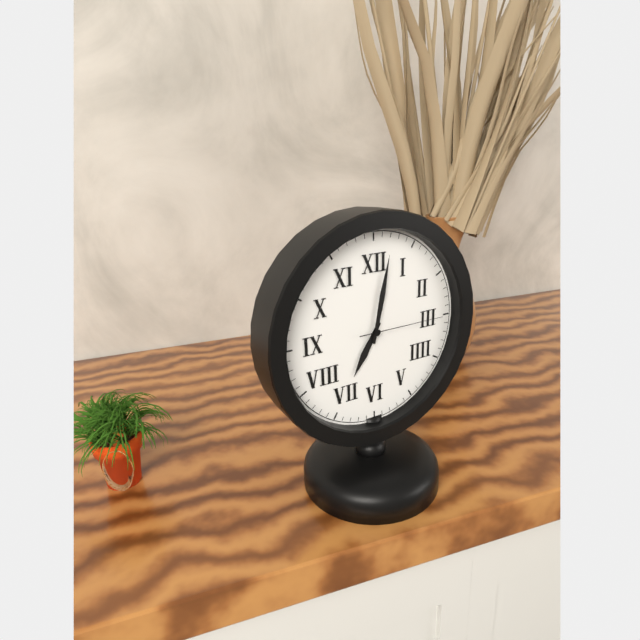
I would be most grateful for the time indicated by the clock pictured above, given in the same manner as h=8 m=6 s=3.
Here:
h=7 m=2 s=15
